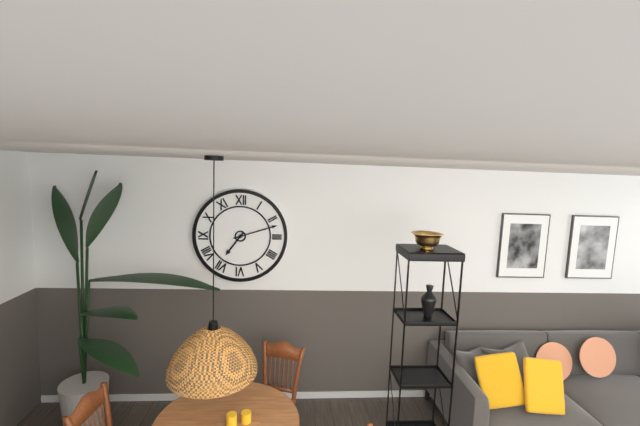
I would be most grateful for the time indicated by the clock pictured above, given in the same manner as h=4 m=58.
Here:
h=7 m=12
